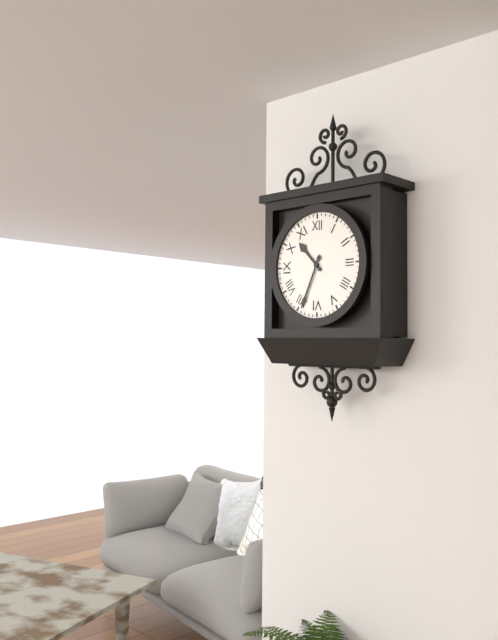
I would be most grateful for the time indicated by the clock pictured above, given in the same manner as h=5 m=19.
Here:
h=10 m=34
